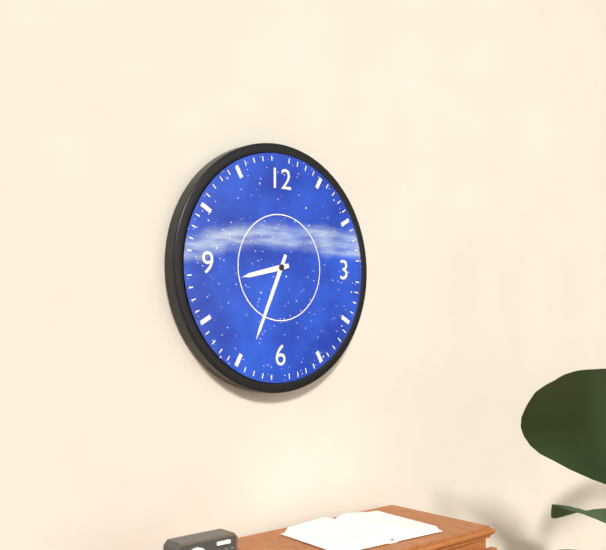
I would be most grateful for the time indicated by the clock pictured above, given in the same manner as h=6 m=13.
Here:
h=8 m=34
